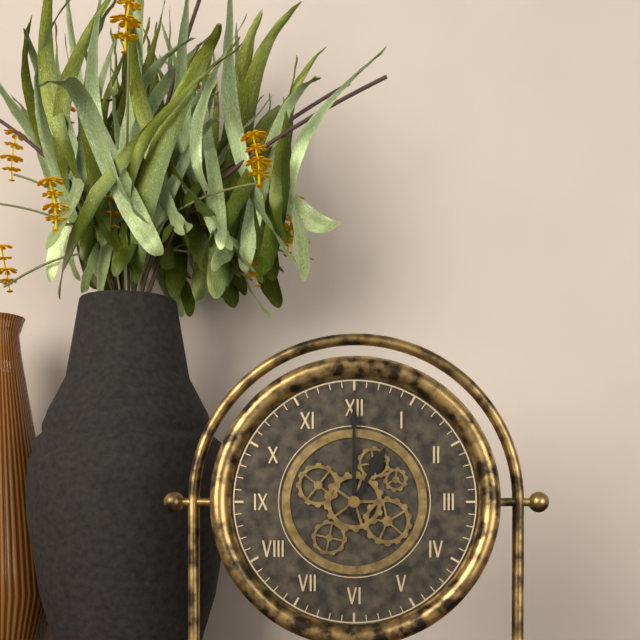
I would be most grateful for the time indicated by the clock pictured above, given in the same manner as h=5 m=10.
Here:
h=1 m=0
